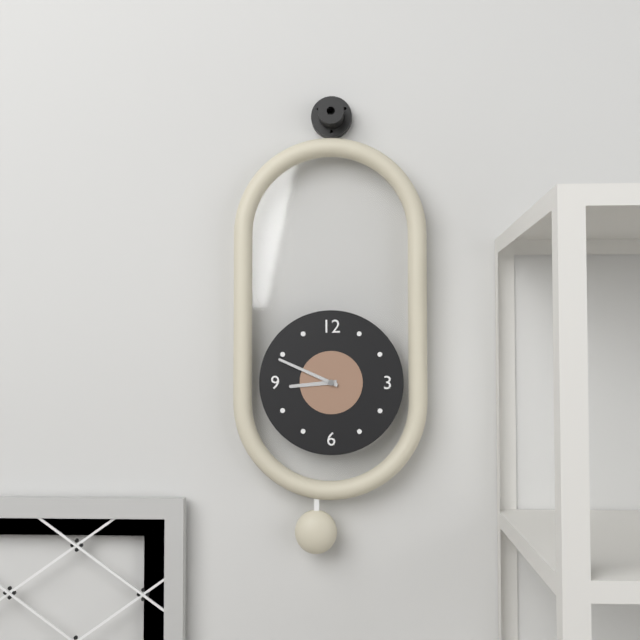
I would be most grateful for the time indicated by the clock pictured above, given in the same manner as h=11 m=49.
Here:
h=8 m=49
